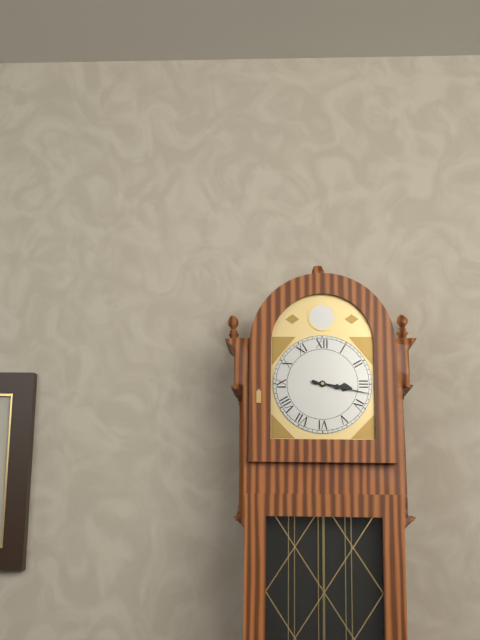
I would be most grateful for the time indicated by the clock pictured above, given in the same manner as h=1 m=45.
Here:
h=3 m=17
